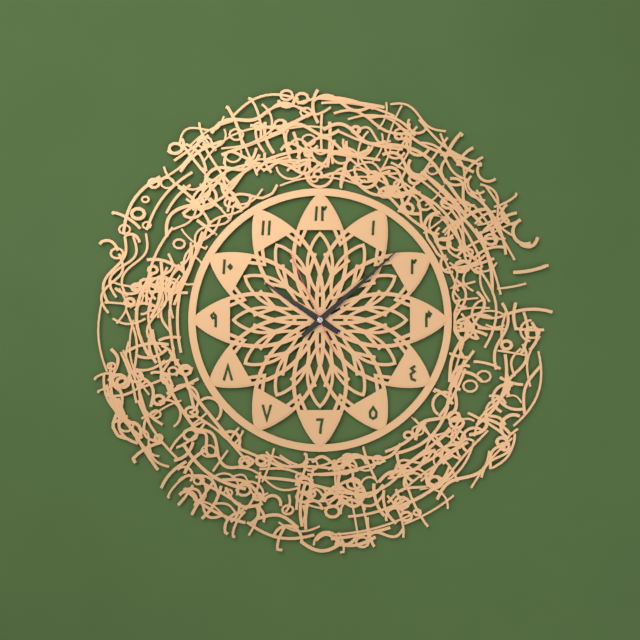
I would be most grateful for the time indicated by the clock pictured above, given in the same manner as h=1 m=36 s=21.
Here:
h=10 m=8 s=56
